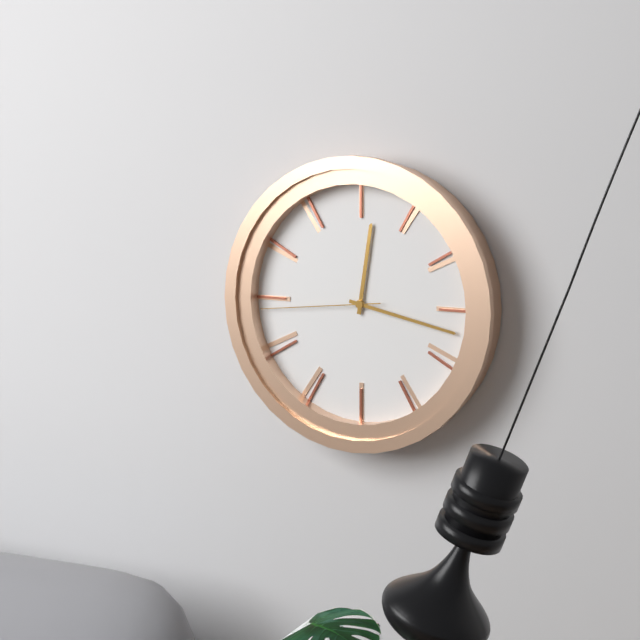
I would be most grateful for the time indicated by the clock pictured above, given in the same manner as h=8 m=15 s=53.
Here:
h=12 m=17 s=44
